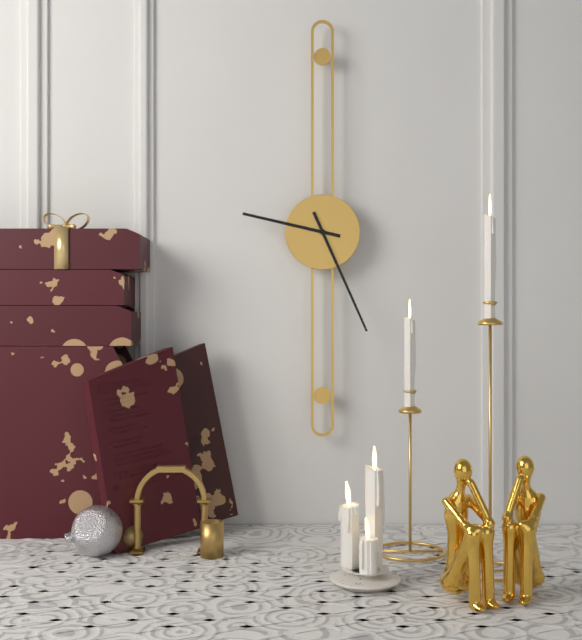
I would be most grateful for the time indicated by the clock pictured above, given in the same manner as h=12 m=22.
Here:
h=9 m=26
